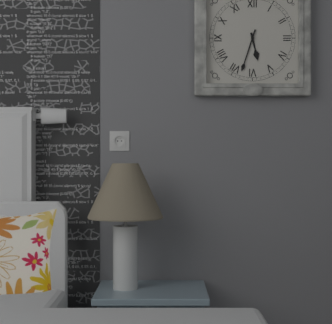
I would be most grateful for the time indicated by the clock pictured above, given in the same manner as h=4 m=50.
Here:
h=5 m=33
